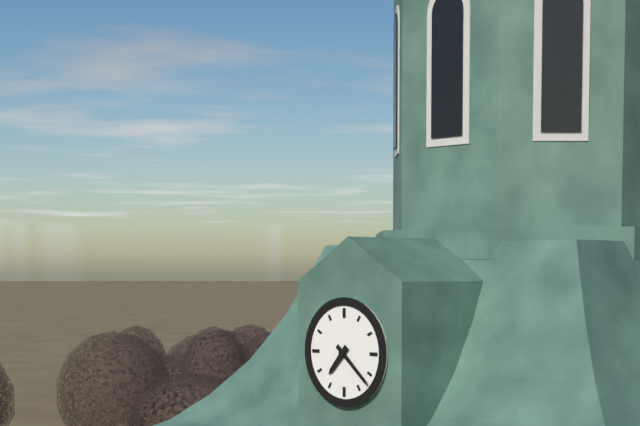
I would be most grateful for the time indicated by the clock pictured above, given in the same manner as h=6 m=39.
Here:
h=7 m=22
